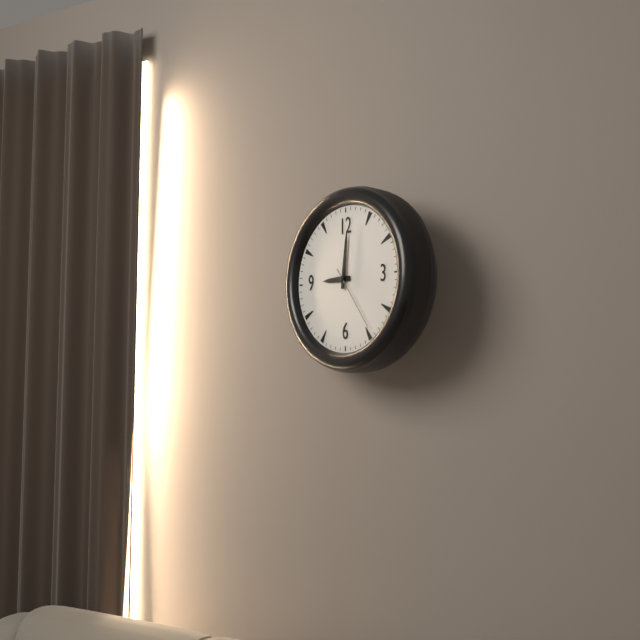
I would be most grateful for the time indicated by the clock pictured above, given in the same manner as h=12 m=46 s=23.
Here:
h=9 m=1 s=24
